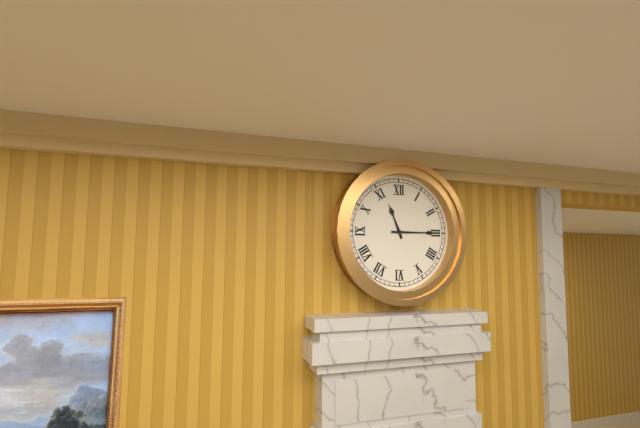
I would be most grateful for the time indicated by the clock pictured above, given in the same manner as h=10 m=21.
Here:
h=11 m=15
